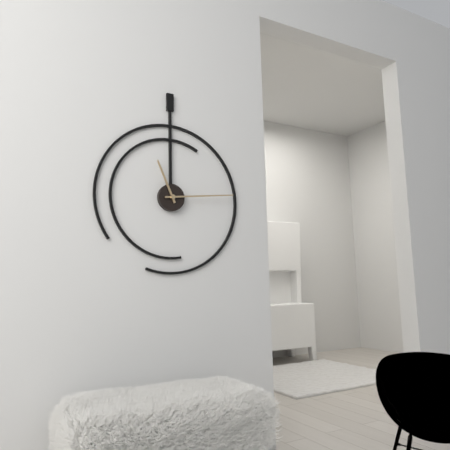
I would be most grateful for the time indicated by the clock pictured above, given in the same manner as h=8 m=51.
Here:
h=11 m=14
